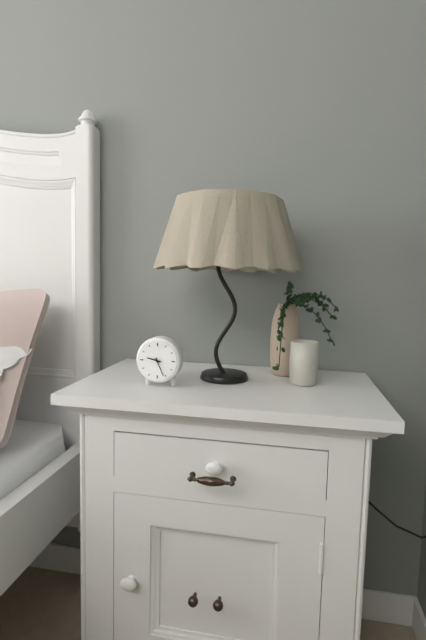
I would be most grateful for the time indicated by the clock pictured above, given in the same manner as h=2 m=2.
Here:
h=9 m=26
